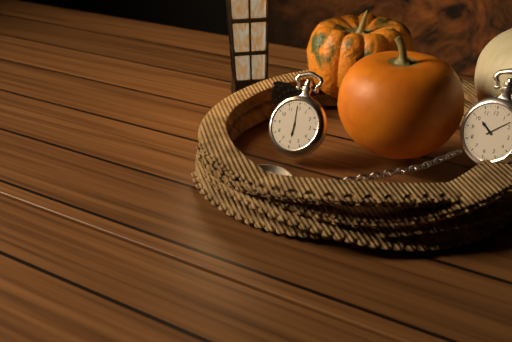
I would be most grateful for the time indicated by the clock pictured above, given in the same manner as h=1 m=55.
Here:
h=5 m=59
